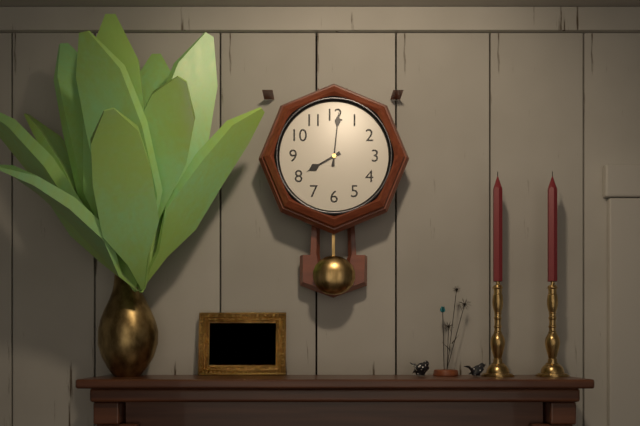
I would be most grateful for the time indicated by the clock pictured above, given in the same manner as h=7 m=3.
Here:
h=8 m=1
